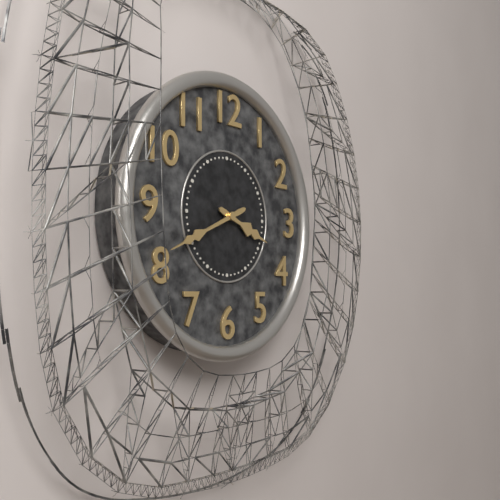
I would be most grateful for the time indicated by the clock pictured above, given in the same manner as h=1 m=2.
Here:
h=3 m=41
